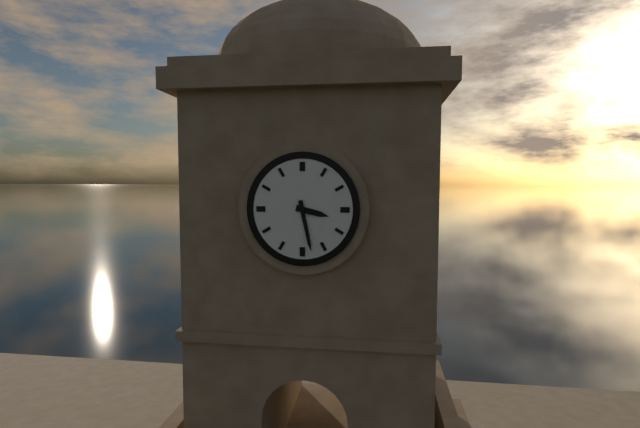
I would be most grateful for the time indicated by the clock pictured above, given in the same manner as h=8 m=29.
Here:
h=3 m=28
